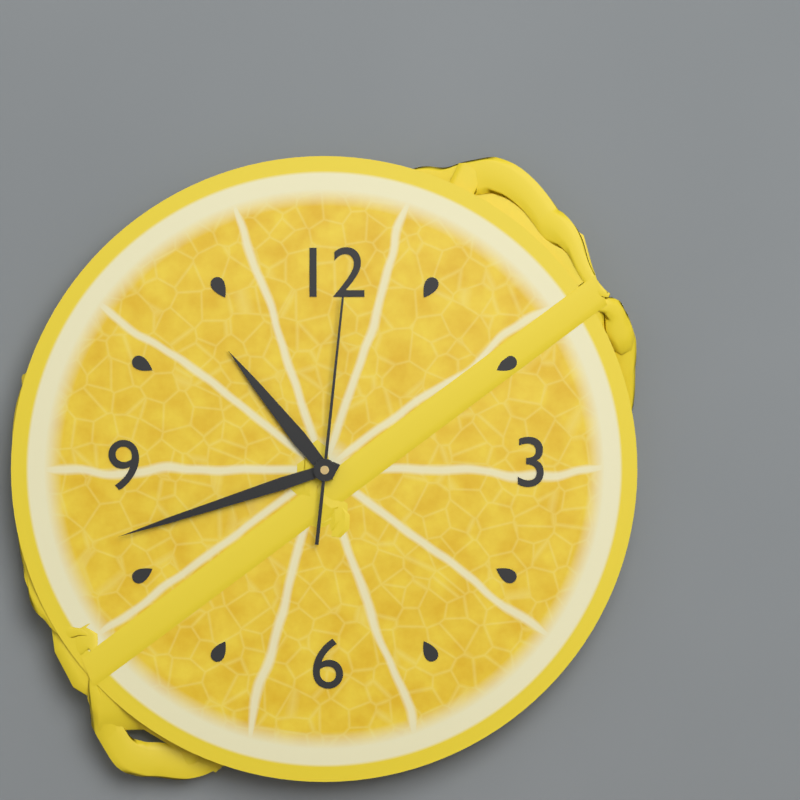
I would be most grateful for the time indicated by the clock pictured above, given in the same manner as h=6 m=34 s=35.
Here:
h=10 m=42 s=1
